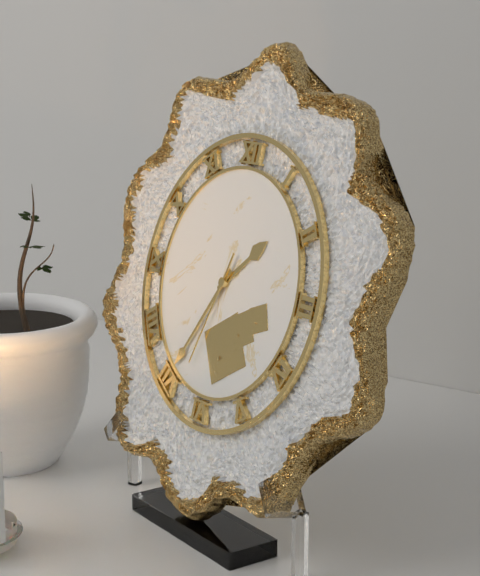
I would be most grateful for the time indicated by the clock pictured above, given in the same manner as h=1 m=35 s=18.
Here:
h=1 m=35 s=33
